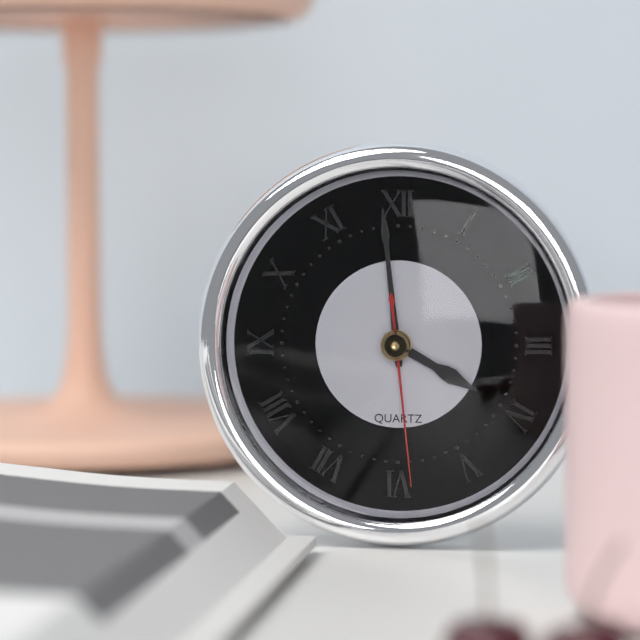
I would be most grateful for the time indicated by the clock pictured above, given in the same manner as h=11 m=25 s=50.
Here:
h=3 m=59 s=29
